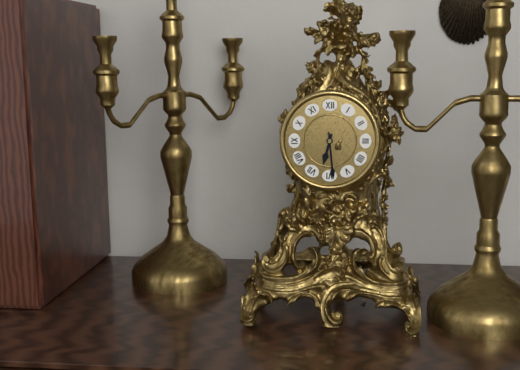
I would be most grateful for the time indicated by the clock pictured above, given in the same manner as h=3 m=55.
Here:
h=6 m=29
